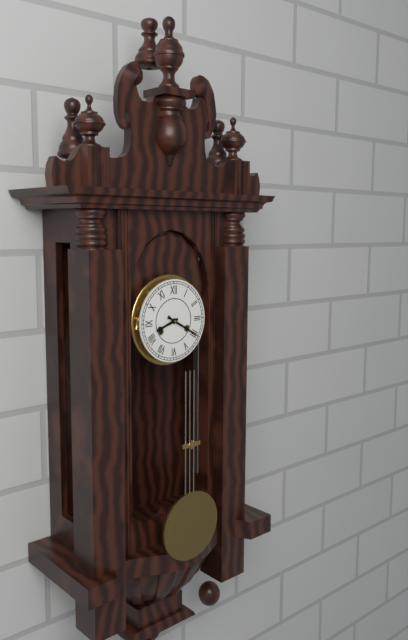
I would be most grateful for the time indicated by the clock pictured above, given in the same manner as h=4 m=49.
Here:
h=8 m=20
